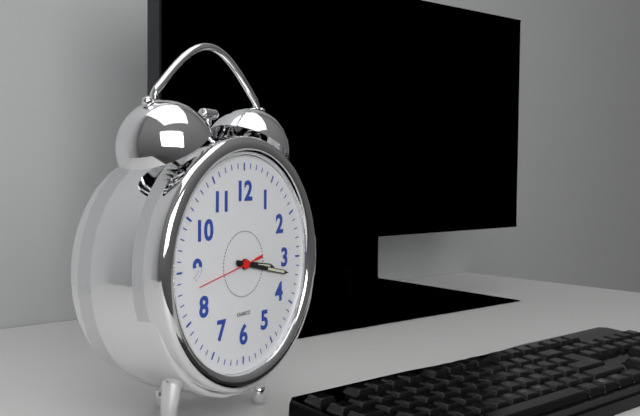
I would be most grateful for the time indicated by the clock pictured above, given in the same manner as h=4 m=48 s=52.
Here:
h=3 m=17 s=43
